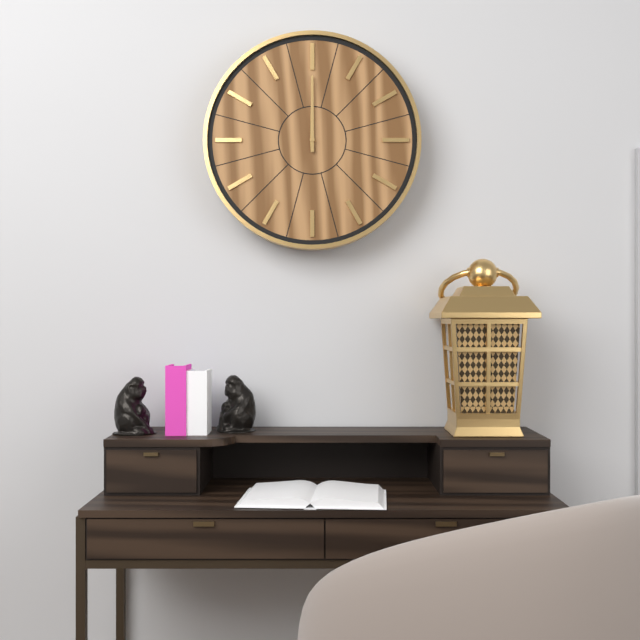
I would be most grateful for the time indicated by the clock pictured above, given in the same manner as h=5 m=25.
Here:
h=12 m=0
